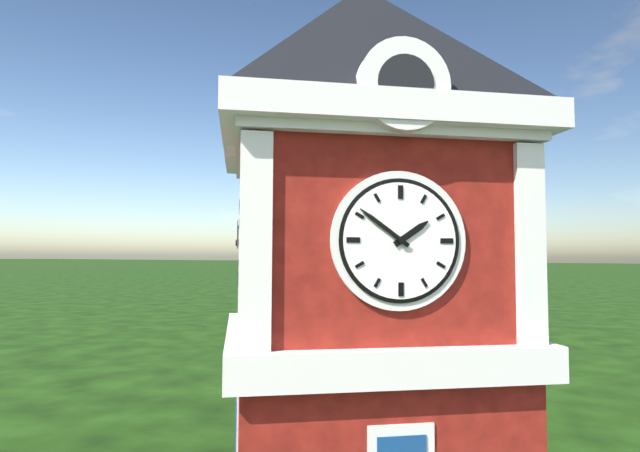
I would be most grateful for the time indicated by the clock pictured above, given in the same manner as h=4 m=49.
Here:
h=1 m=51
